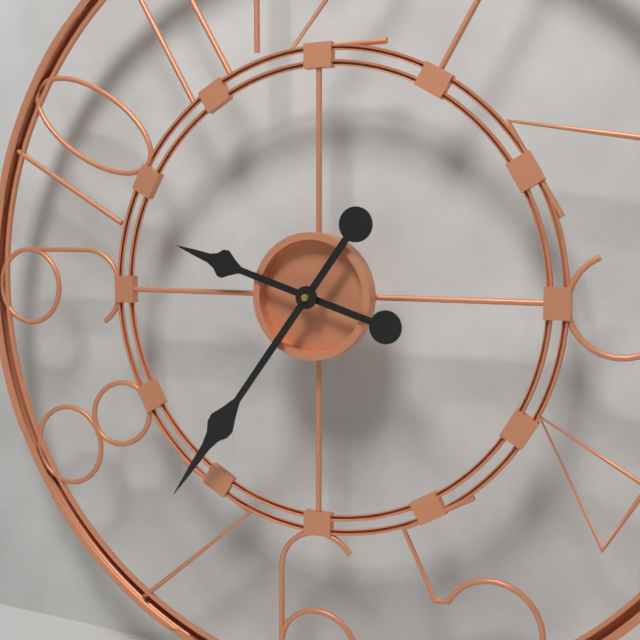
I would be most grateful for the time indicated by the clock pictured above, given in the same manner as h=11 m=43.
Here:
h=9 m=36
